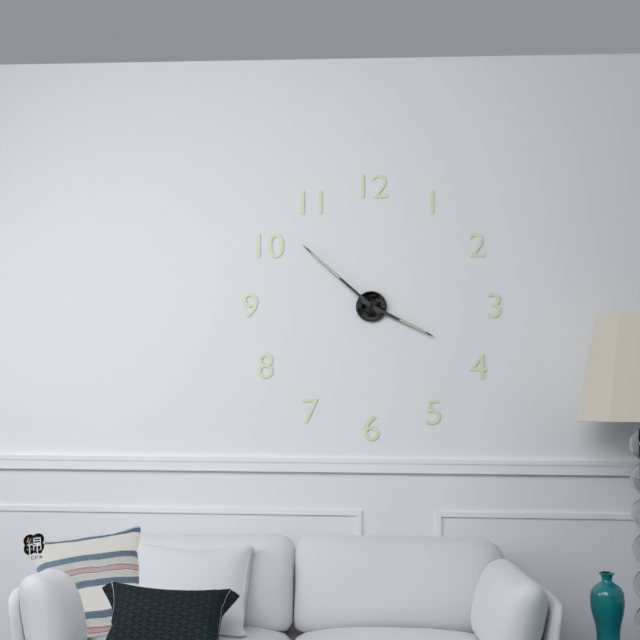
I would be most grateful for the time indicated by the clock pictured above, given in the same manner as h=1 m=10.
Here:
h=3 m=52
